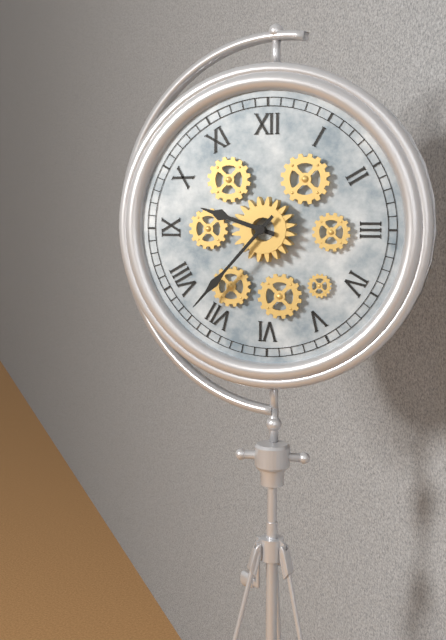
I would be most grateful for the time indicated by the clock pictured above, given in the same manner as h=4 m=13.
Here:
h=9 m=37
